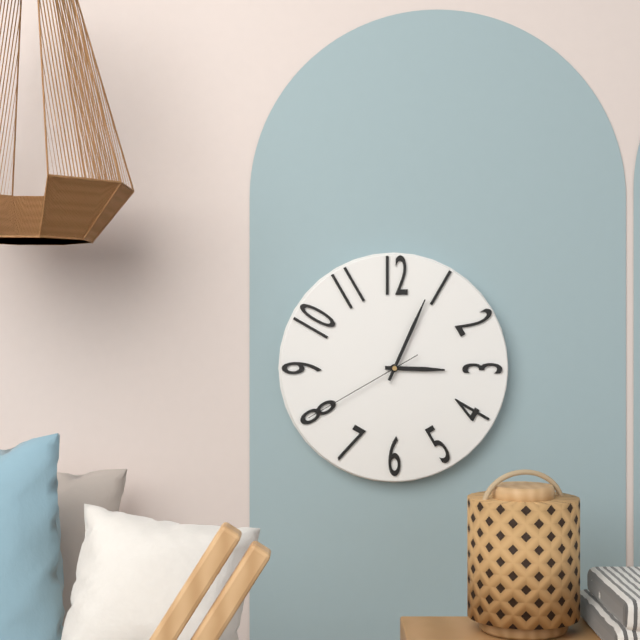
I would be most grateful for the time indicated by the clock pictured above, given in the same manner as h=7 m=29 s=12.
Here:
h=3 m=4 s=40
